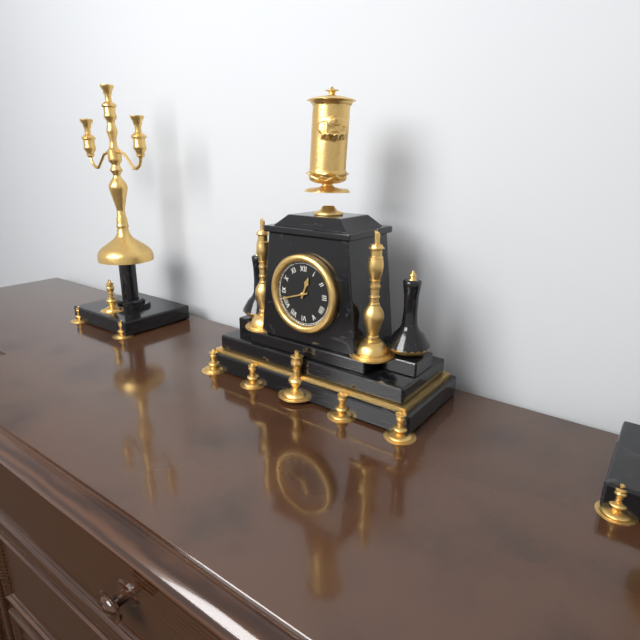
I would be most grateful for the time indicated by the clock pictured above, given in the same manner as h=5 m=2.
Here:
h=12 m=42
